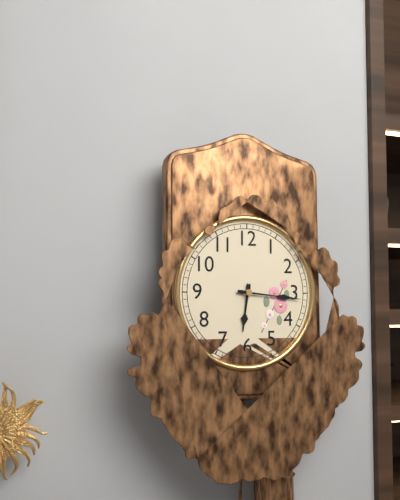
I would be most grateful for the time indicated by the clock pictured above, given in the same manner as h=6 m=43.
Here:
h=6 m=16
